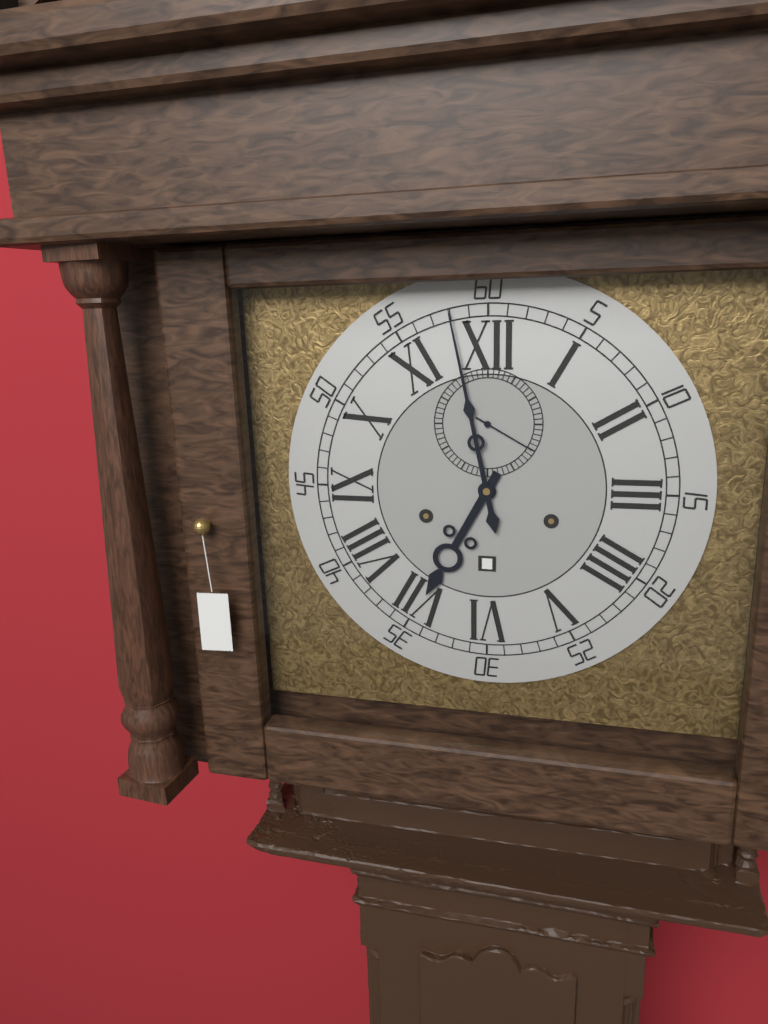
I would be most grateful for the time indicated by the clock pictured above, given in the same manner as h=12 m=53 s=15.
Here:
h=6 m=58 s=20
